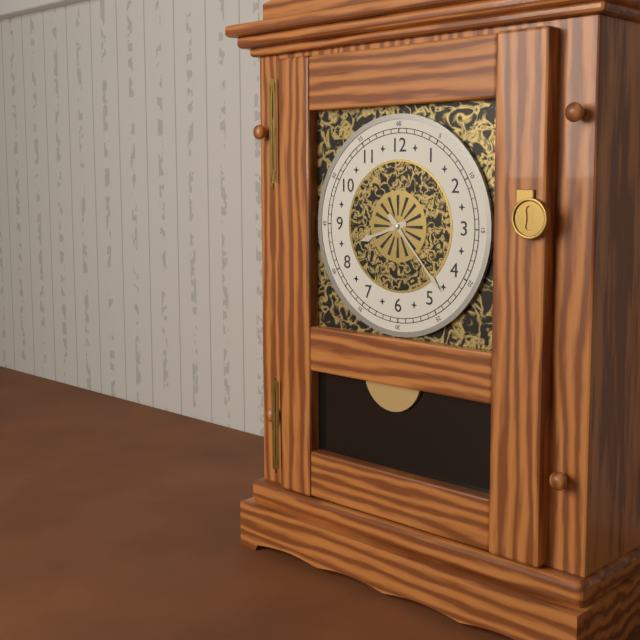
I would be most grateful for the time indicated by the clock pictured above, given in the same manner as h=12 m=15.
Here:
h=8 m=23
